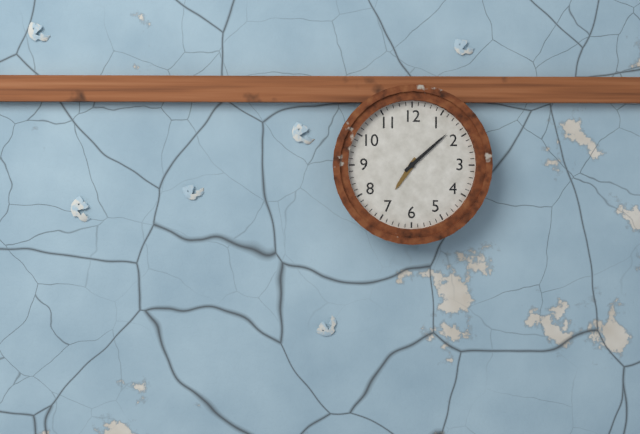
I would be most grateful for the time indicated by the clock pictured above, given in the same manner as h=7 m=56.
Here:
h=7 m=8
